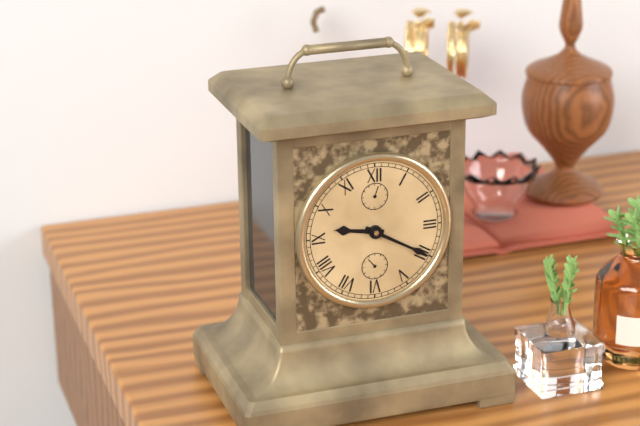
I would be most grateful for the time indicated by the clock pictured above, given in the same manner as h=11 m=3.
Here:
h=9 m=20
